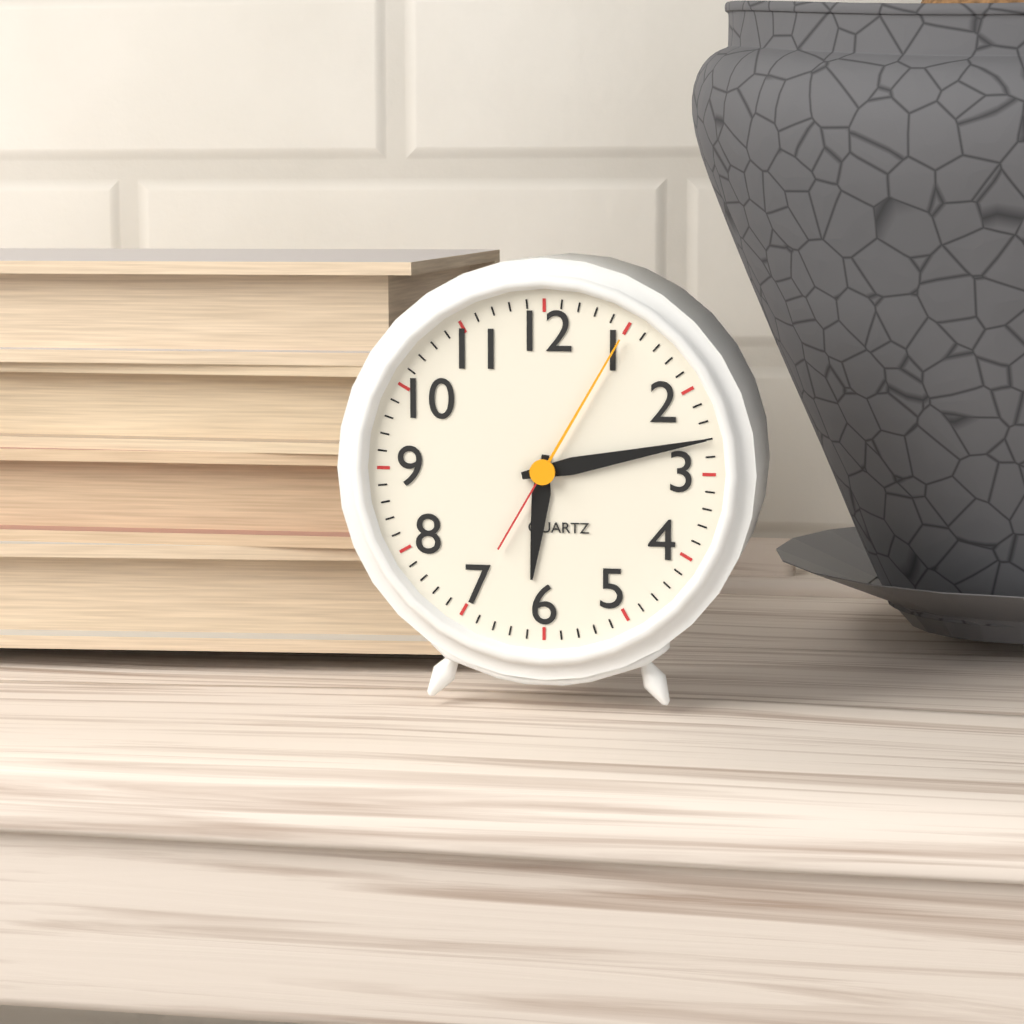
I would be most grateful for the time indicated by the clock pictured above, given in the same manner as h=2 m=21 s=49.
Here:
h=6 m=13 s=5
